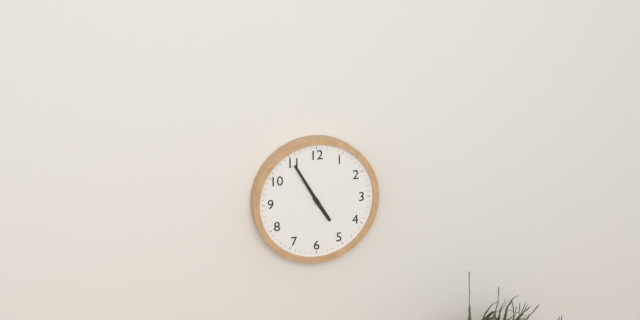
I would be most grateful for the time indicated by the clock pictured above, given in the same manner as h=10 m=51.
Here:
h=4 m=55
